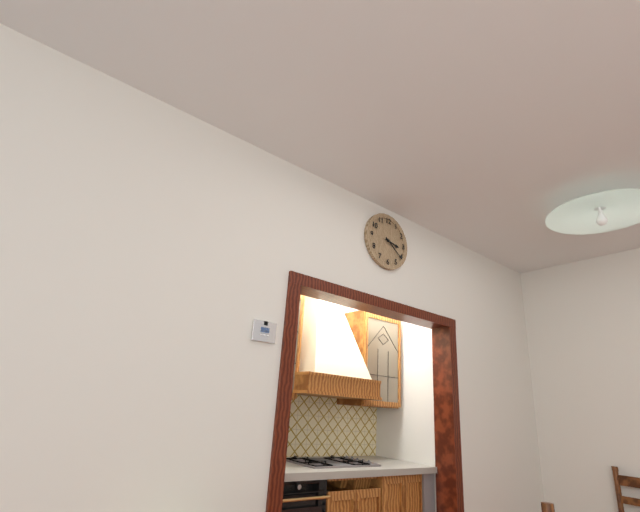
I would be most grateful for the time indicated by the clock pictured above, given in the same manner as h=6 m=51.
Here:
h=3 m=21
